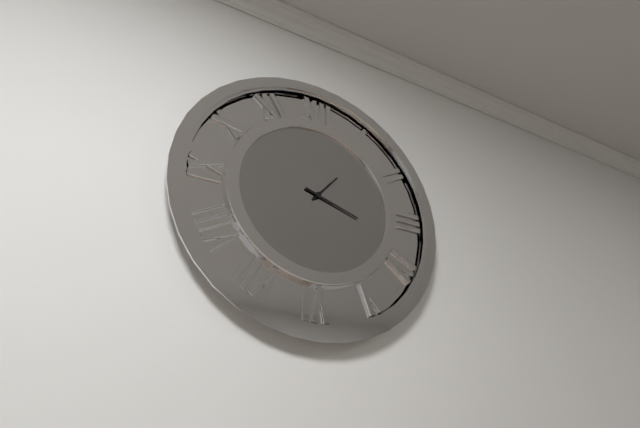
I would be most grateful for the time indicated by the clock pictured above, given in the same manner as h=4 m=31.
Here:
h=1 m=18
